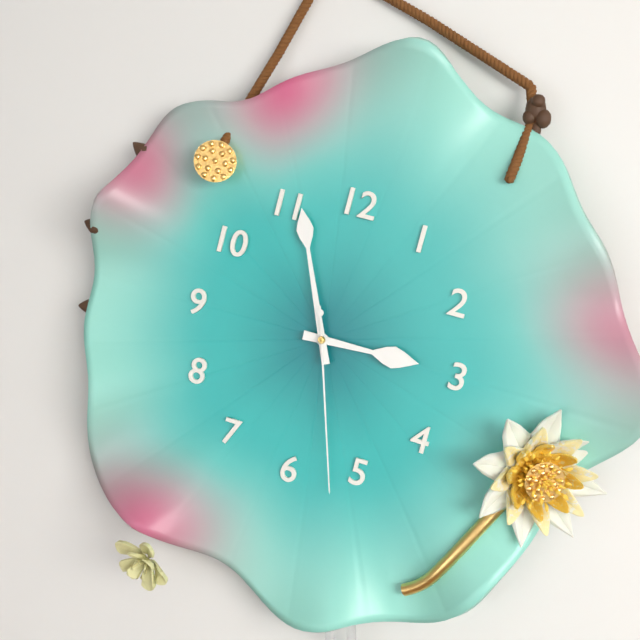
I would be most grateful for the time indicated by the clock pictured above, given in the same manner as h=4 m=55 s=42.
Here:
h=2 m=56 s=27
